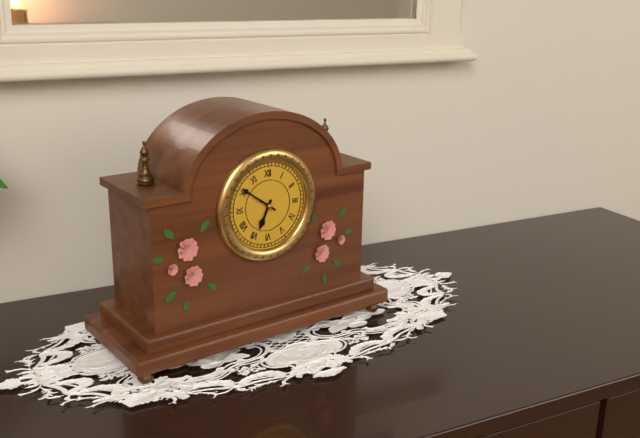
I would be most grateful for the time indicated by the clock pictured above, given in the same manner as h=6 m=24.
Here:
h=6 m=51
